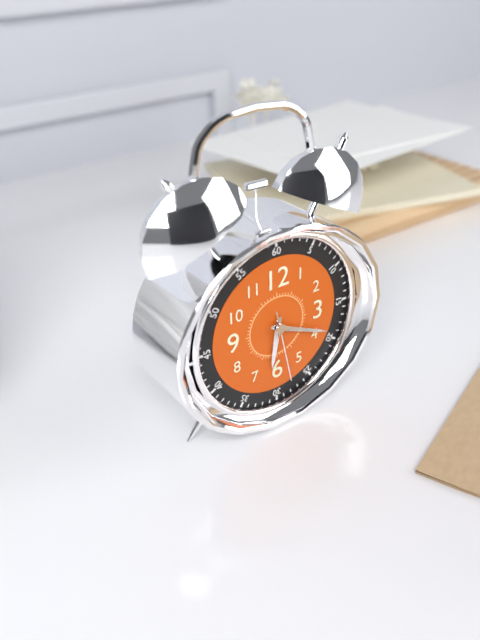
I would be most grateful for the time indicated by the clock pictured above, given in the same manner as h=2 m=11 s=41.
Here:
h=6 m=19 s=28
